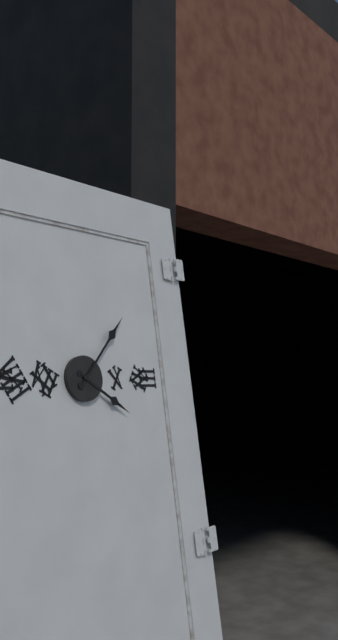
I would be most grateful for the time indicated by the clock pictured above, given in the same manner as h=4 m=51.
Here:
h=4 m=7
